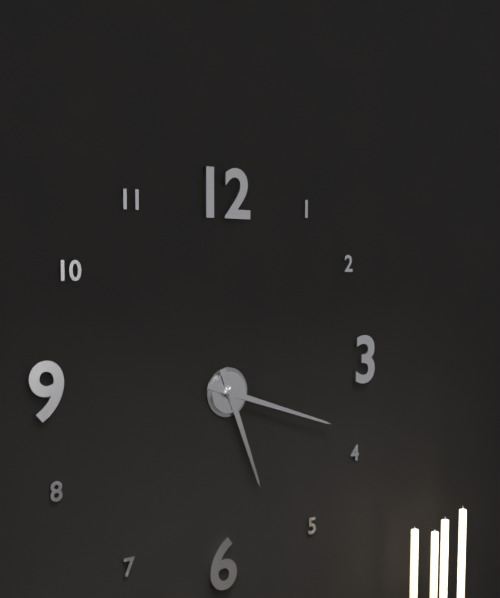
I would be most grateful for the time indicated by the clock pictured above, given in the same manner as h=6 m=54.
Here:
h=5 m=18
